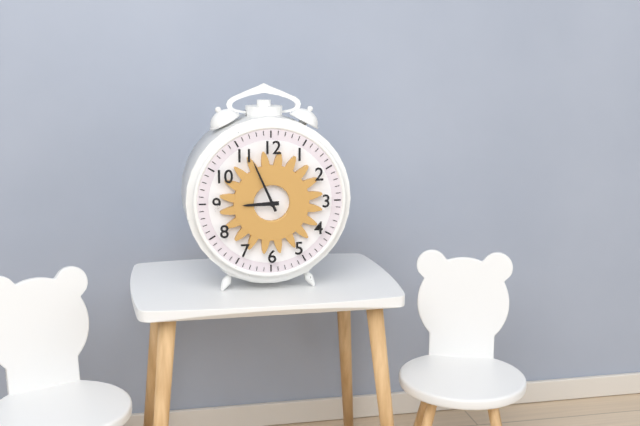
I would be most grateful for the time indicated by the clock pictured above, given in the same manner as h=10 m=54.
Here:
h=8 m=56
